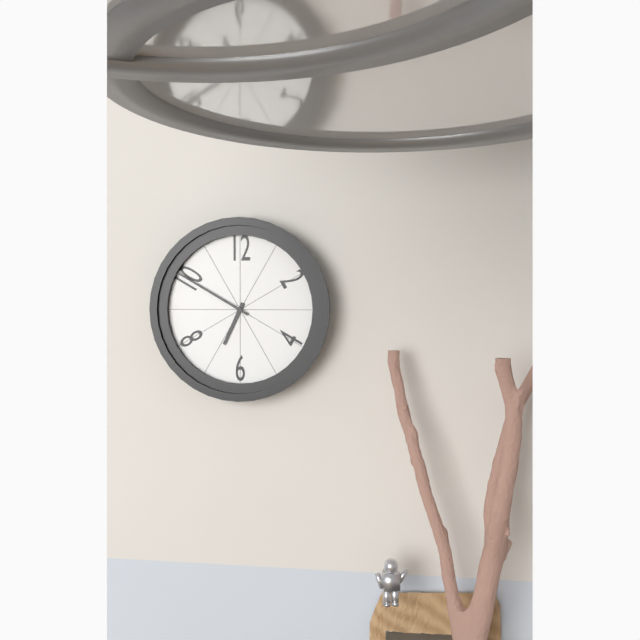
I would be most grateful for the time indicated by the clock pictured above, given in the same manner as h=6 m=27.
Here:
h=6 m=50
